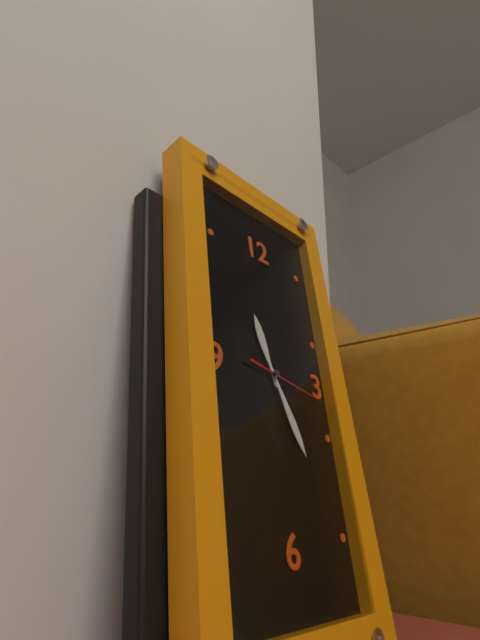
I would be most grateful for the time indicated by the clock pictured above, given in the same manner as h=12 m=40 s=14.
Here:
h=11 m=26 s=17
